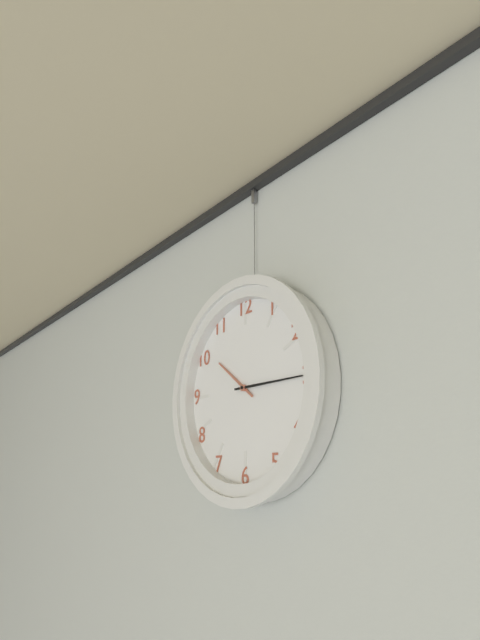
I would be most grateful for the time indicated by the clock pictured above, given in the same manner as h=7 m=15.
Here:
h=10 m=15
